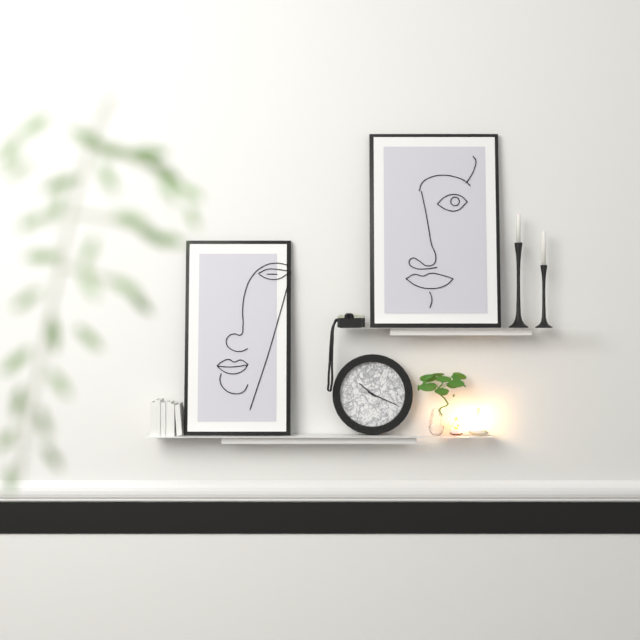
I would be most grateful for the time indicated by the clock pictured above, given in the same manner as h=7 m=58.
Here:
h=10 m=19
